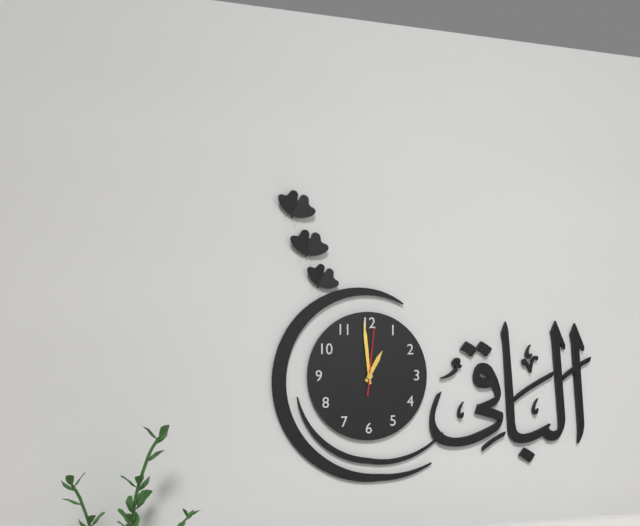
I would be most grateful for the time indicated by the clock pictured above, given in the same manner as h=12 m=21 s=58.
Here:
h=12 m=59 s=1
